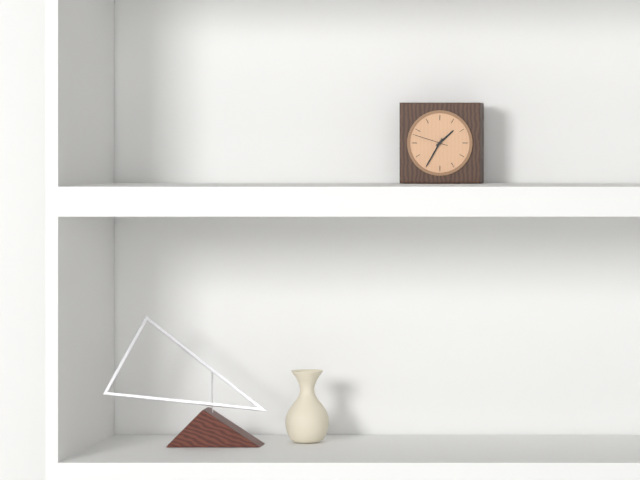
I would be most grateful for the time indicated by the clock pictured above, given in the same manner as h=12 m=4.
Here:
h=1 m=35
